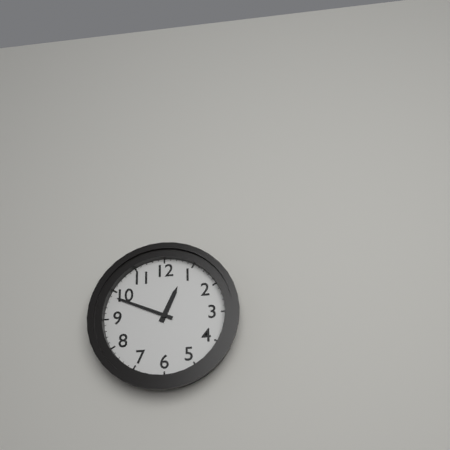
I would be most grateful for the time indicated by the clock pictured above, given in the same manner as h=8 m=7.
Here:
h=12 m=49
